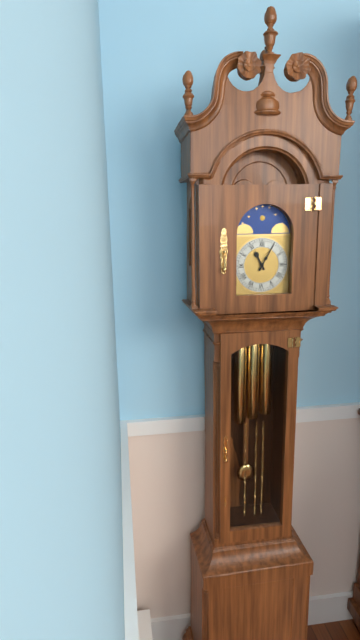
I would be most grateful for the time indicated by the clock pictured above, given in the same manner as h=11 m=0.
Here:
h=11 m=5
